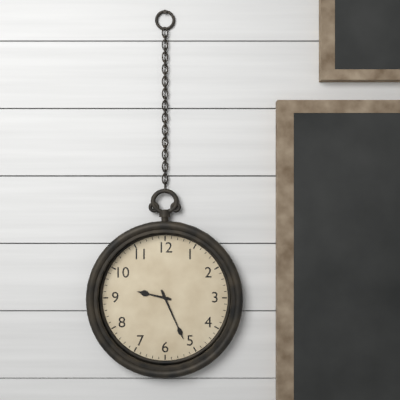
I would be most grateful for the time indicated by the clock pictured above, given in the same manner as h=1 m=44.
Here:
h=9 m=26
